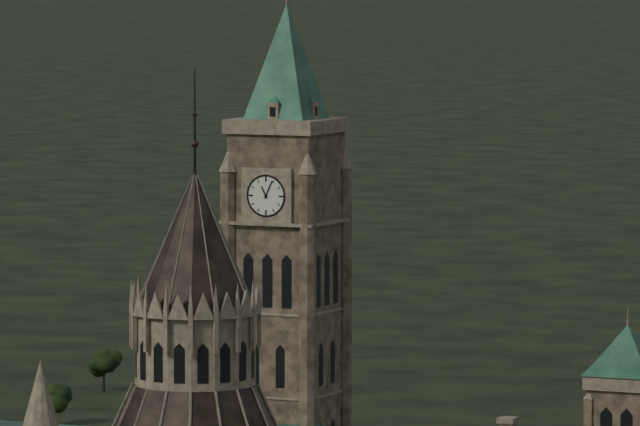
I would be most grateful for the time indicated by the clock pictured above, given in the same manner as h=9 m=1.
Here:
h=11 m=4
